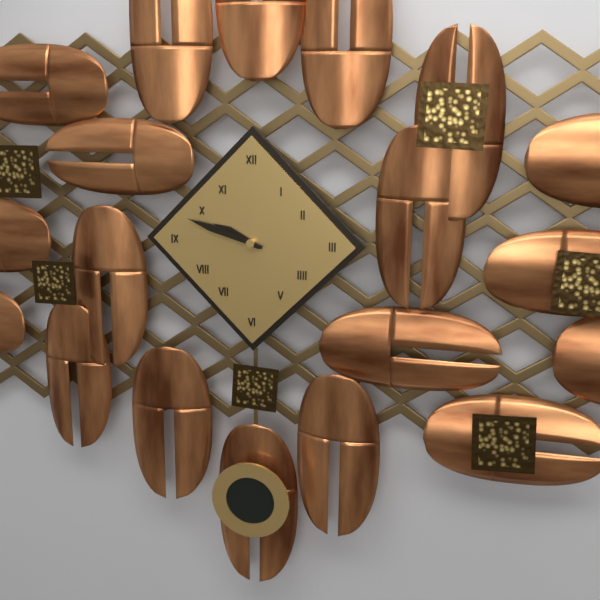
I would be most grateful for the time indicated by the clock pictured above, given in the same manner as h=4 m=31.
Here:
h=9 m=48
